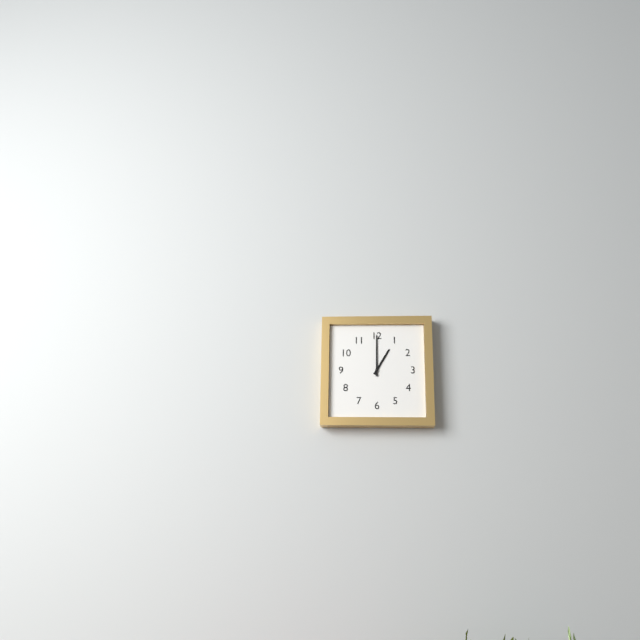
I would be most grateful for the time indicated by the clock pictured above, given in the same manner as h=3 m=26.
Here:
h=1 m=0
